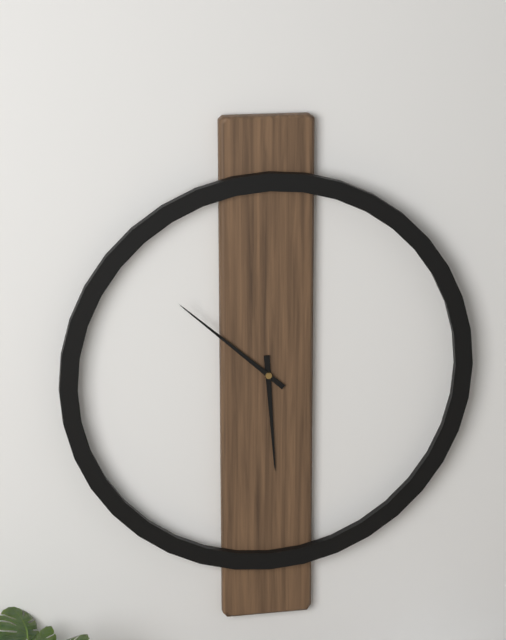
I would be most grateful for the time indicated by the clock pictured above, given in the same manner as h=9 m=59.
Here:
h=5 m=52
